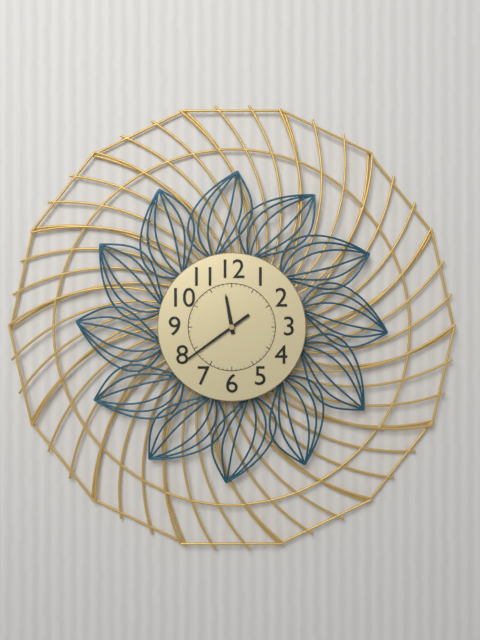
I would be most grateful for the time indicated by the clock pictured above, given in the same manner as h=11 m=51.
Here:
h=11 m=39
